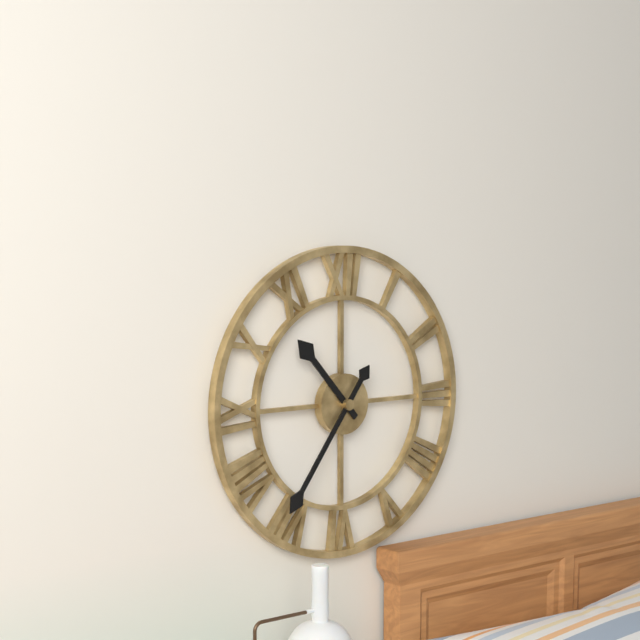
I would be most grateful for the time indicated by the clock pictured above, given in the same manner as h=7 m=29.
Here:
h=10 m=36
